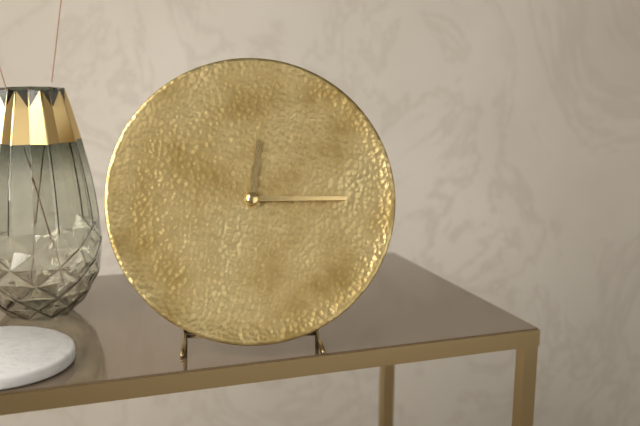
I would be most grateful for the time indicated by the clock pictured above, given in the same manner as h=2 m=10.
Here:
h=12 m=15
